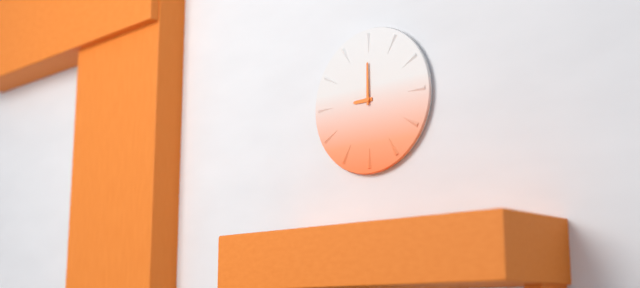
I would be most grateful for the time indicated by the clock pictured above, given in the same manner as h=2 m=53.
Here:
h=9 m=0
